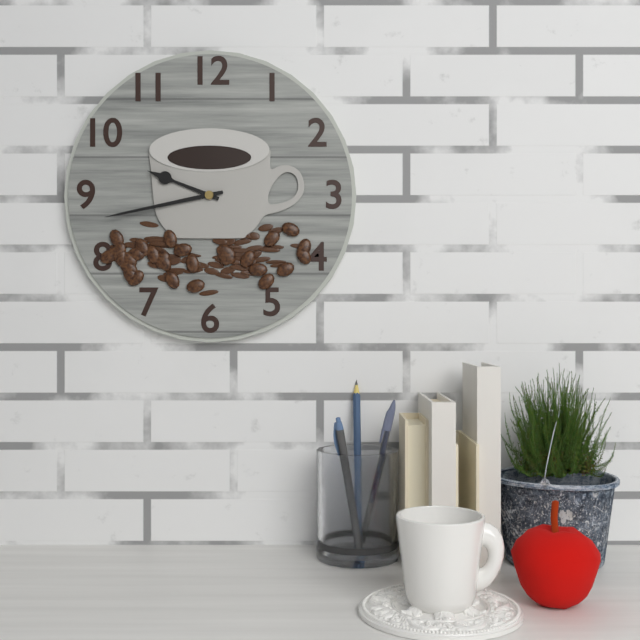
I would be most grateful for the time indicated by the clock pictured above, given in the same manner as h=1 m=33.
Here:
h=9 m=43
